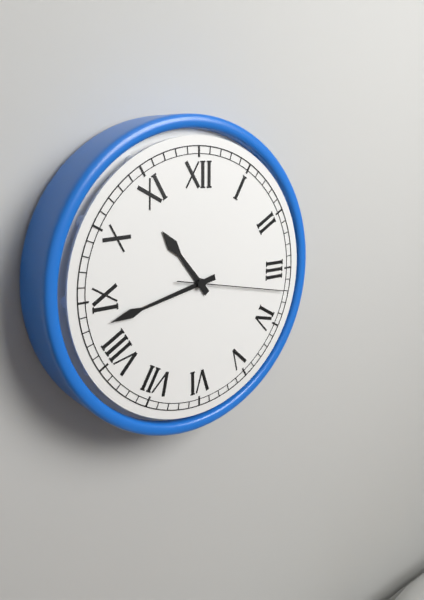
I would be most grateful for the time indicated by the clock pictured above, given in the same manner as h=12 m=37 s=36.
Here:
h=10 m=43 s=17
